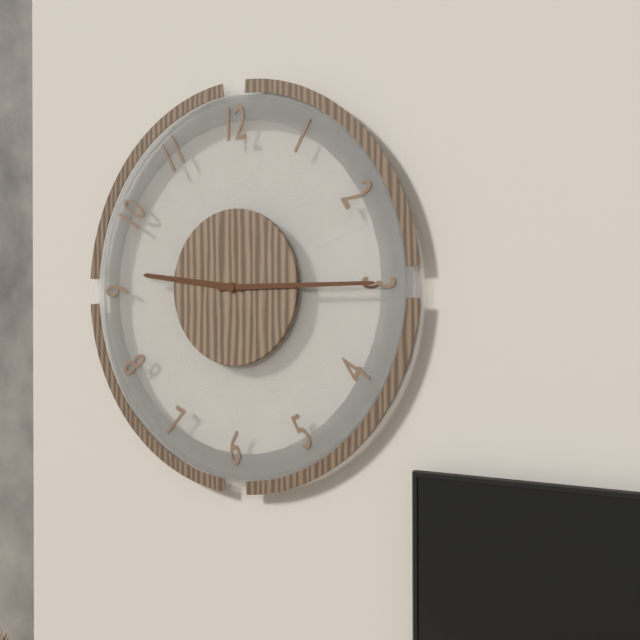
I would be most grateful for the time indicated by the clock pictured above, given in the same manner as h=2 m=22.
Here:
h=9 m=15
